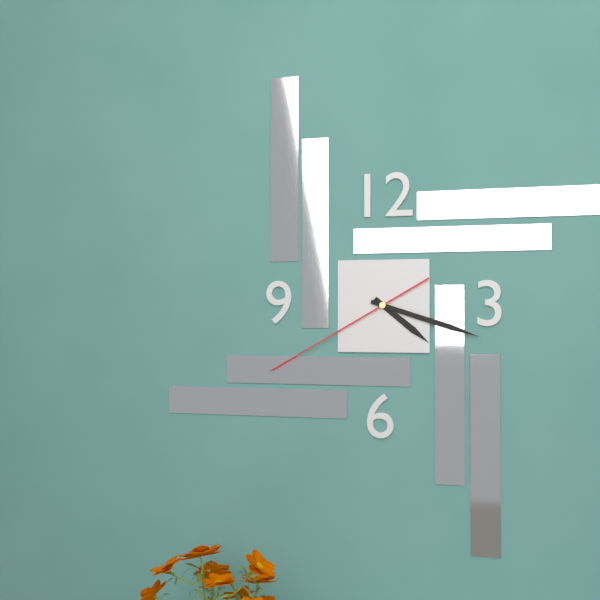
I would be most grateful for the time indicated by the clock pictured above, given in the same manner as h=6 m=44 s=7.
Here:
h=4 m=18 s=40
